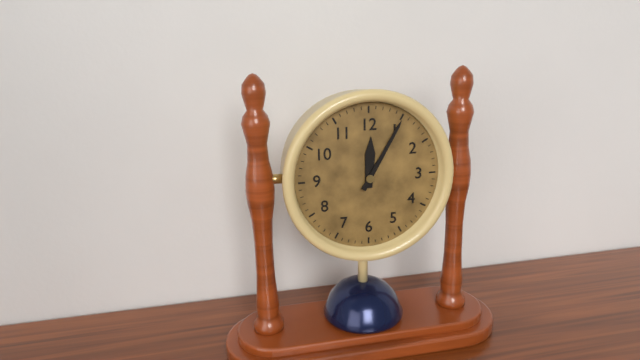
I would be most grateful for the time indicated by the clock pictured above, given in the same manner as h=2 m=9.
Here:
h=12 m=5
